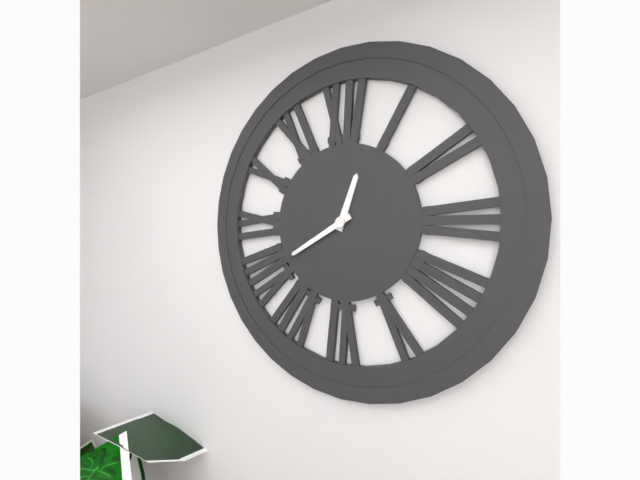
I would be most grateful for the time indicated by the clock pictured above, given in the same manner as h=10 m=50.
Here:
h=12 m=40
